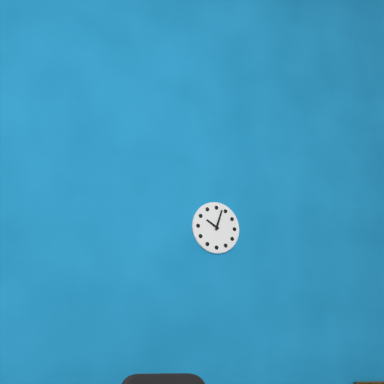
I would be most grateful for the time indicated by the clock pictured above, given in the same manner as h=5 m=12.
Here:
h=10 m=3
